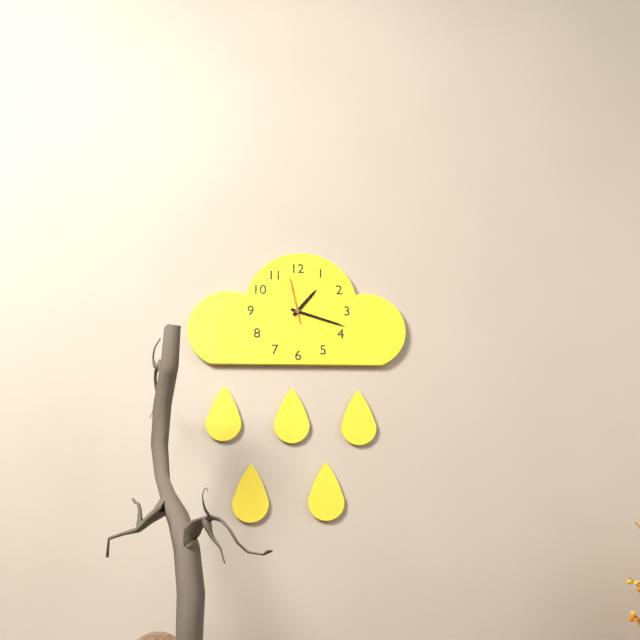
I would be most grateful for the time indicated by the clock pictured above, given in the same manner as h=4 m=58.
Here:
h=1 m=18
